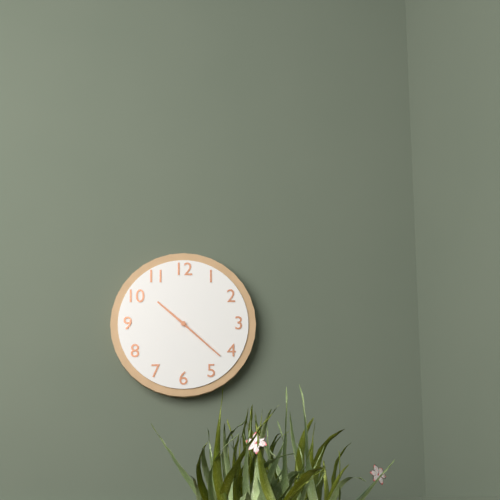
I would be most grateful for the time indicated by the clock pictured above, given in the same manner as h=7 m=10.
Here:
h=10 m=22
